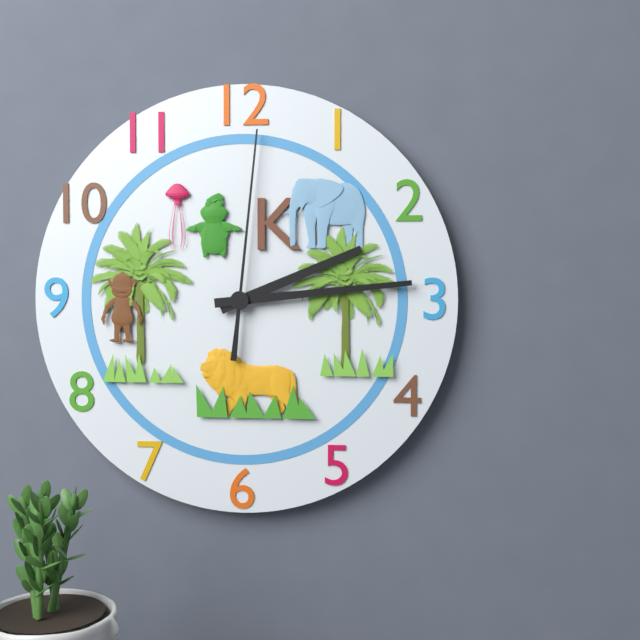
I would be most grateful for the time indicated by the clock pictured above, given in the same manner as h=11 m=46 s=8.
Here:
h=2 m=14 s=1
